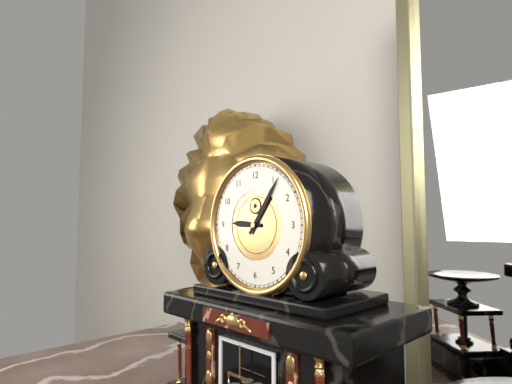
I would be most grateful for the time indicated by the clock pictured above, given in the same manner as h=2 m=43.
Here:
h=9 m=6
